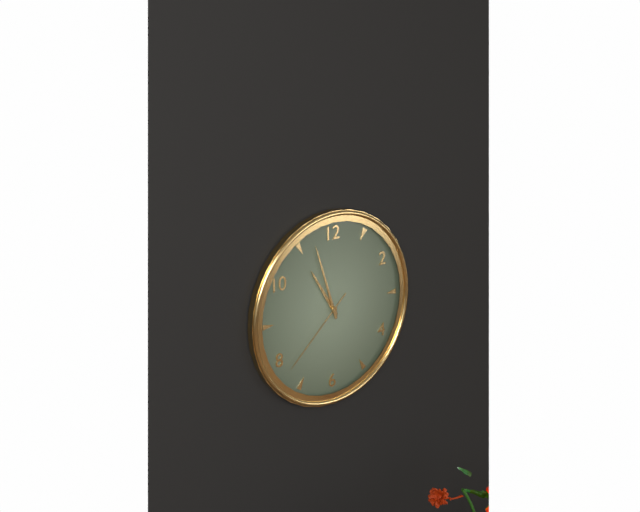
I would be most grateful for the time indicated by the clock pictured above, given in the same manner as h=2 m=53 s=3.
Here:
h=10 m=57 s=38
